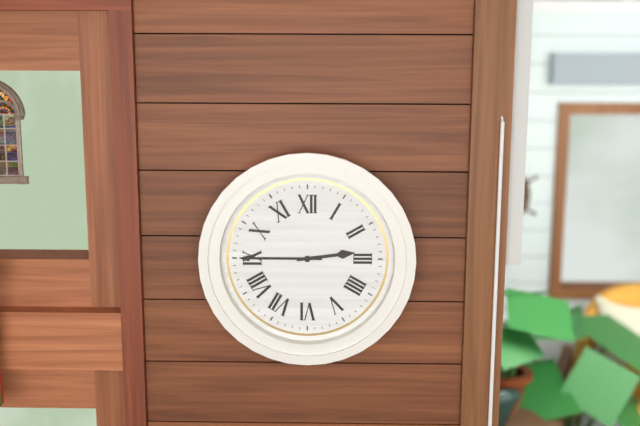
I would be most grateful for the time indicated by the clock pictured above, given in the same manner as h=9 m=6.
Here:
h=2 m=45
